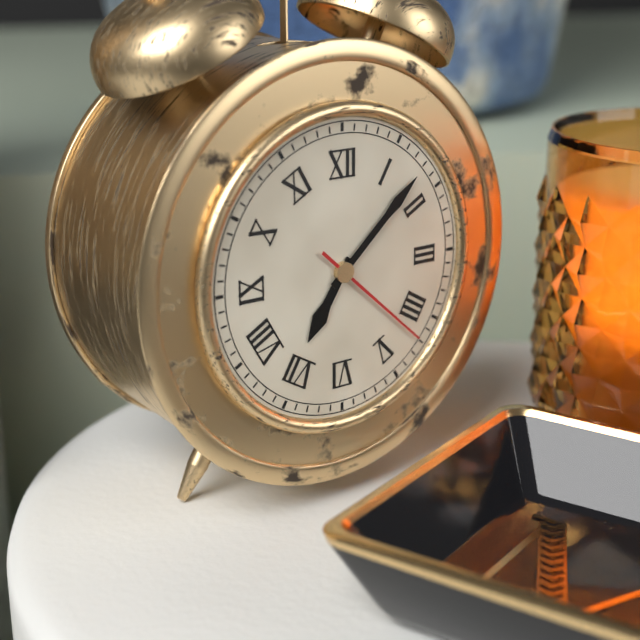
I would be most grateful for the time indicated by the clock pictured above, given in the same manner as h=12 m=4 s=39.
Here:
h=7 m=8 s=22
